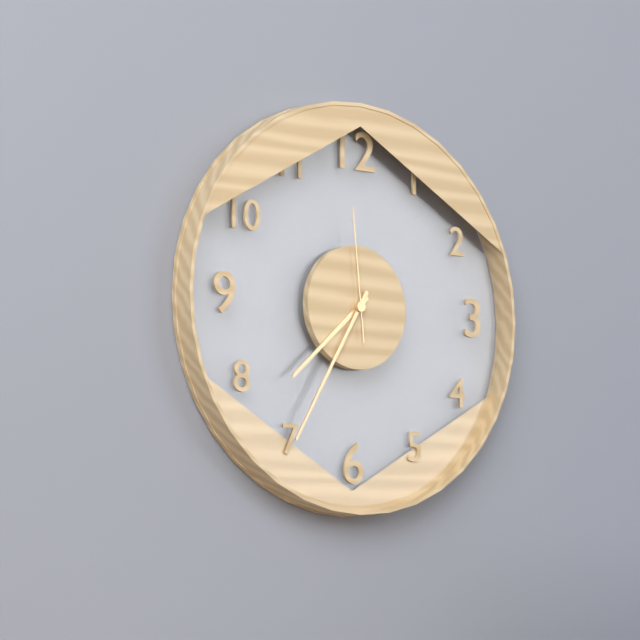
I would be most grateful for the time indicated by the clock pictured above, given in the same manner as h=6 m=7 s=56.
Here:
h=7 m=35 s=59
